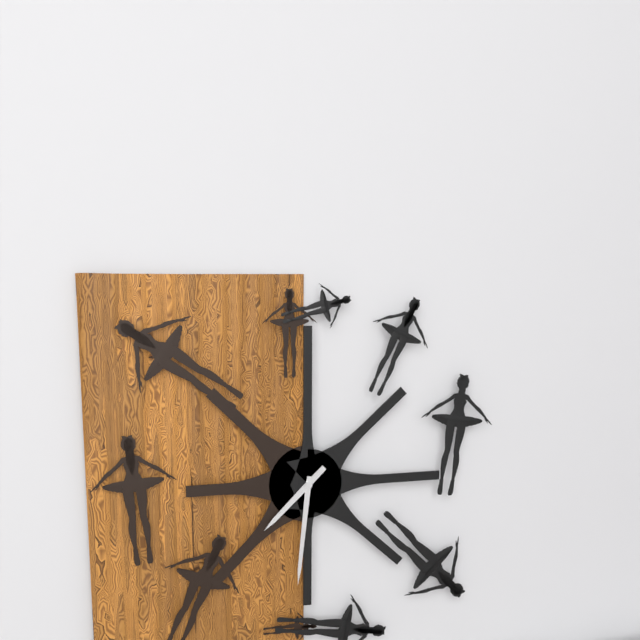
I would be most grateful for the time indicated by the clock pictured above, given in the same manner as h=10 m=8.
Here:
h=7 m=31
